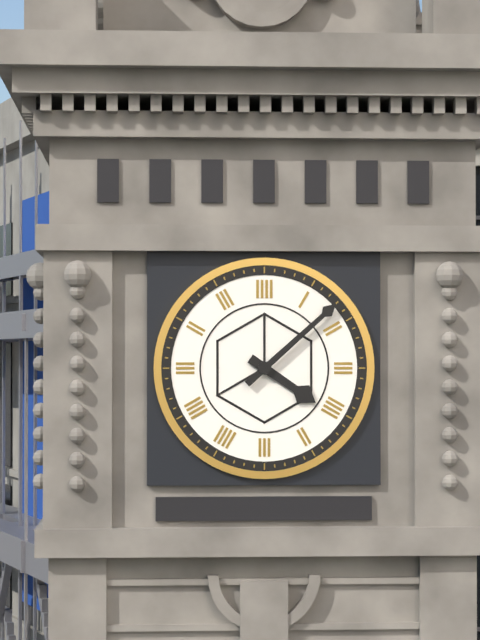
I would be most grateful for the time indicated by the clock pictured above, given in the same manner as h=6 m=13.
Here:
h=4 m=8
